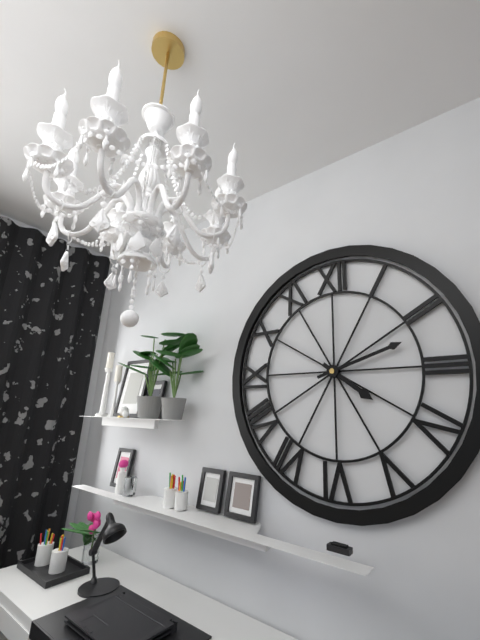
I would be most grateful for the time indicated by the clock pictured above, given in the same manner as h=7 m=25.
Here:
h=4 m=12
